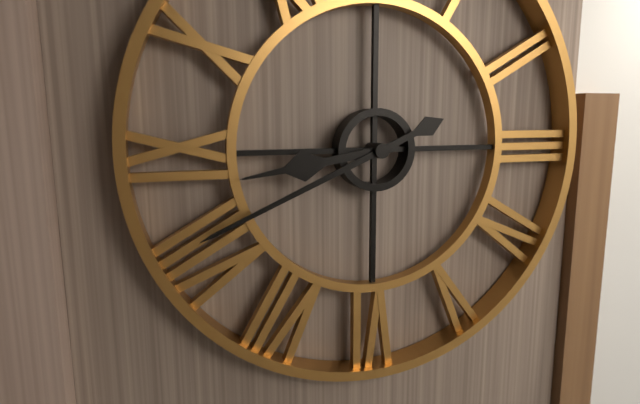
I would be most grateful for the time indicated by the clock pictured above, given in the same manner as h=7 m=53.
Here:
h=8 m=41
